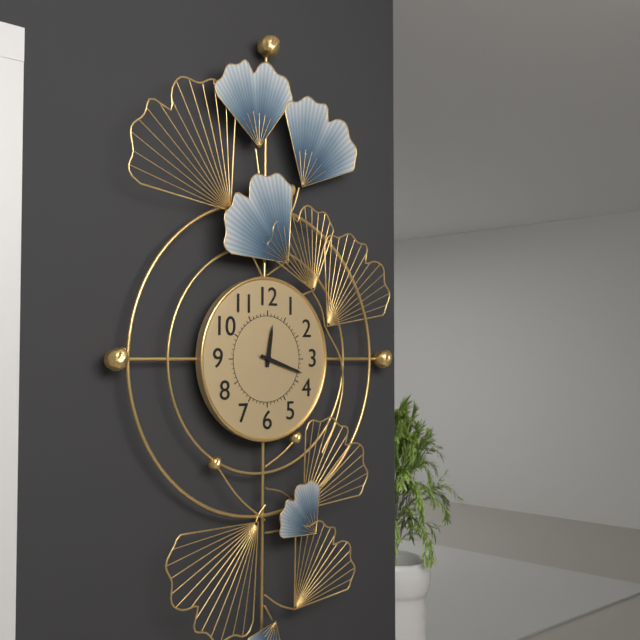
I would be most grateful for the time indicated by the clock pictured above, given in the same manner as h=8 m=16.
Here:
h=12 m=18
